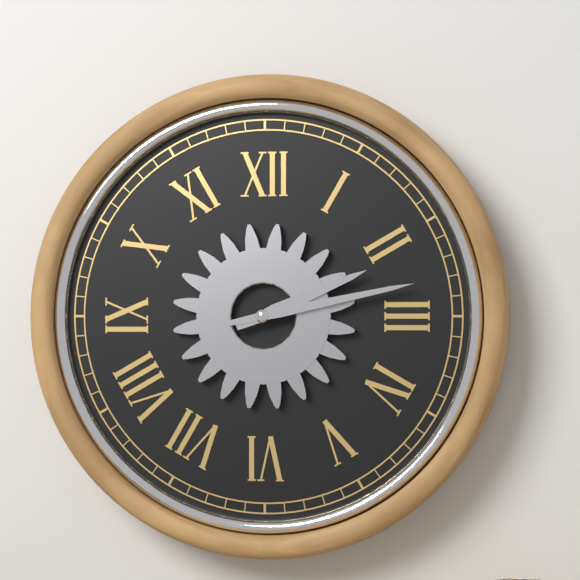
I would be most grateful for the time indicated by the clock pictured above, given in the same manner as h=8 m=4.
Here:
h=2 m=13
